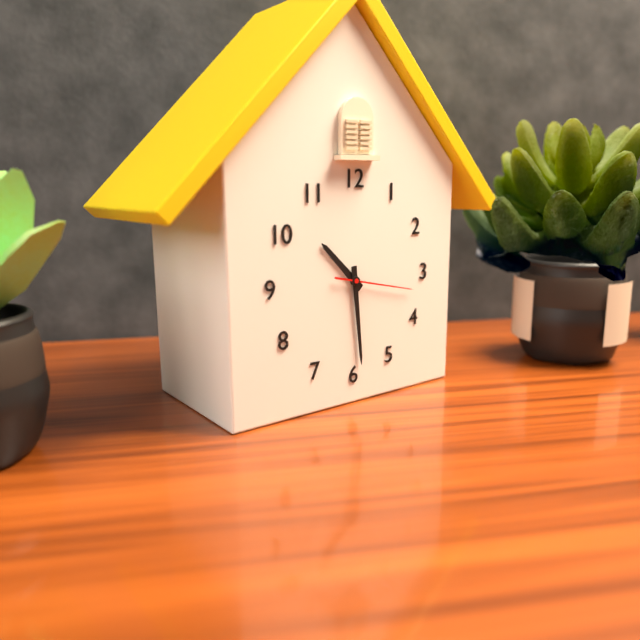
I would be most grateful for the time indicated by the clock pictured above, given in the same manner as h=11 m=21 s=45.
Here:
h=10 m=29 s=17
